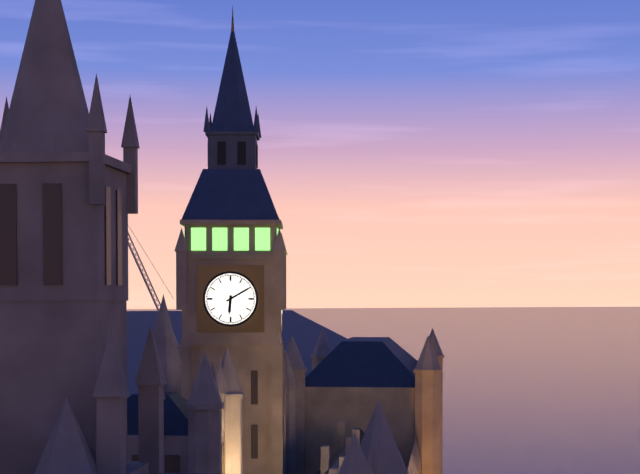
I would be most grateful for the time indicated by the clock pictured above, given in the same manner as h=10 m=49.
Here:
h=6 m=10
